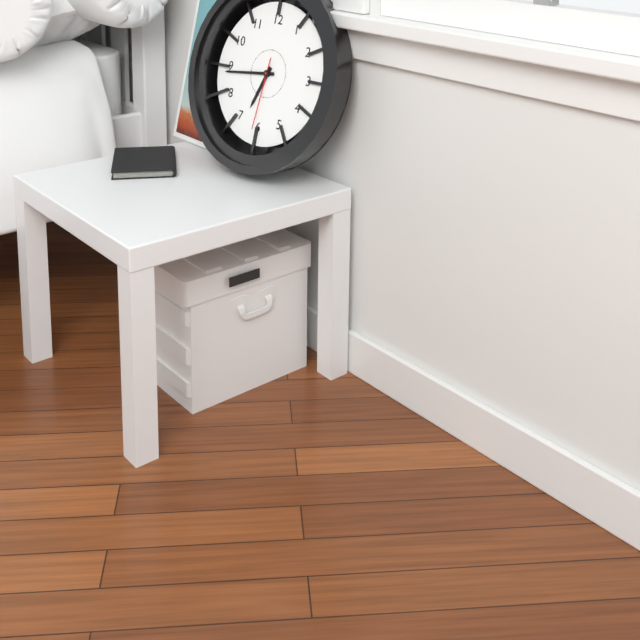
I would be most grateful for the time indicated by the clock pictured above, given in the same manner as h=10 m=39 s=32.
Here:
h=6 m=44 s=31
